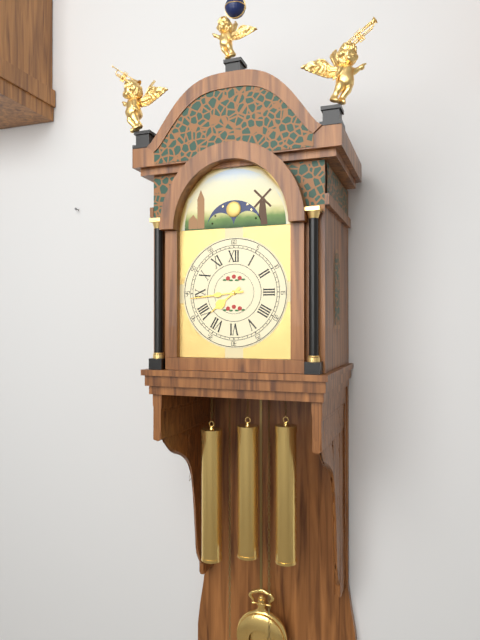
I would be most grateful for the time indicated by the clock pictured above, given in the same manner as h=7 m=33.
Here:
h=7 m=44
